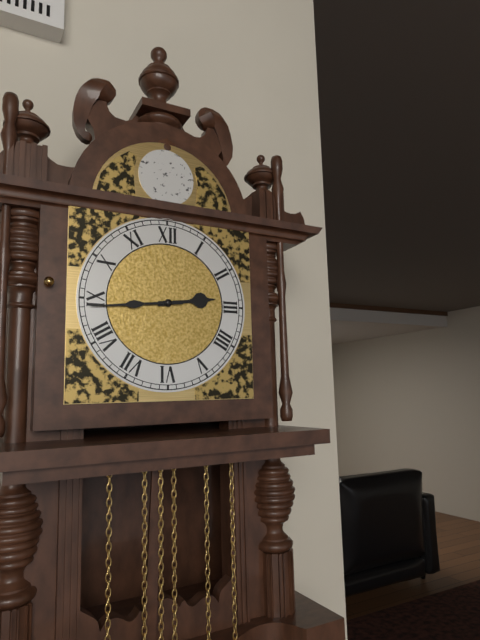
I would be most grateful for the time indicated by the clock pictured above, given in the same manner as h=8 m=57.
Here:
h=2 m=44
